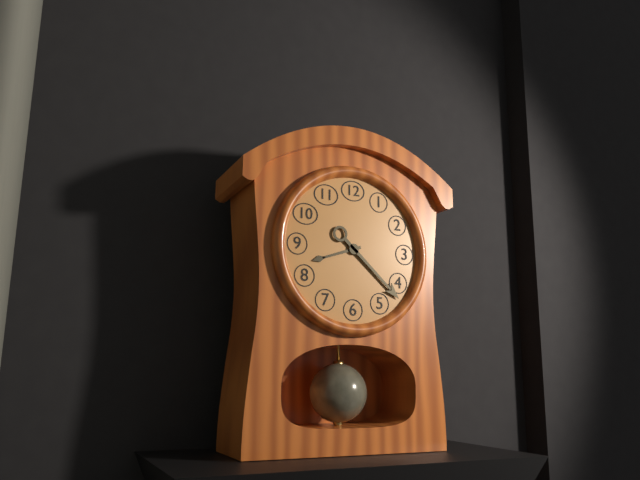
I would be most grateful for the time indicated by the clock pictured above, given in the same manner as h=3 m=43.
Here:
h=8 m=22
